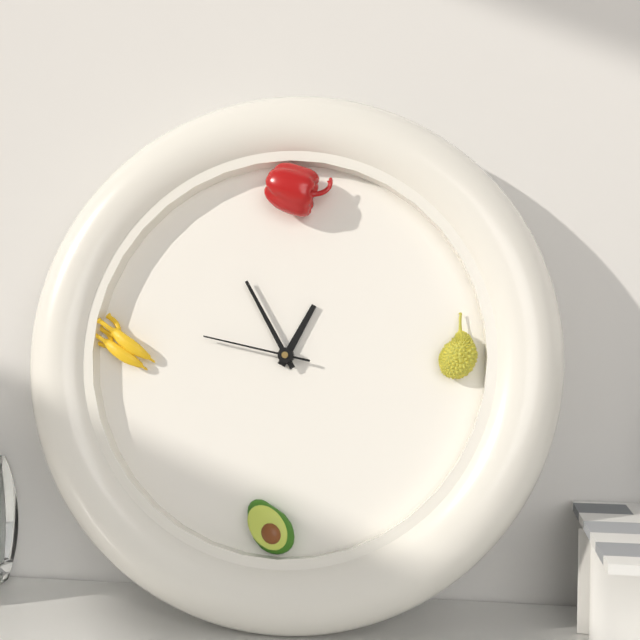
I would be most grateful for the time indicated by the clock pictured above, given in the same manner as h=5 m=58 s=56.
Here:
h=12 m=55 s=47
